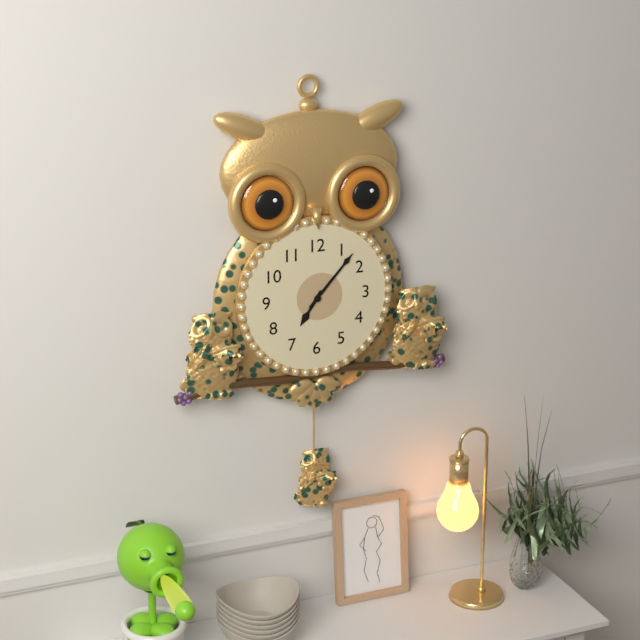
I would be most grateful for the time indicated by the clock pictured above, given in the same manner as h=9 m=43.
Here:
h=7 m=7
